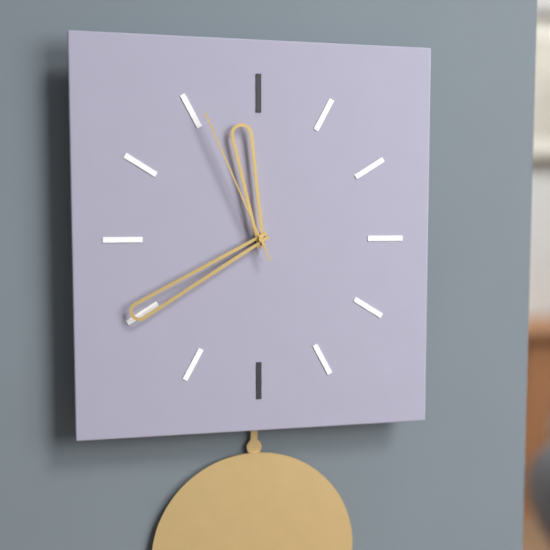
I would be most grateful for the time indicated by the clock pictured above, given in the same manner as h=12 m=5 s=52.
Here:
h=11 m=40 s=56
